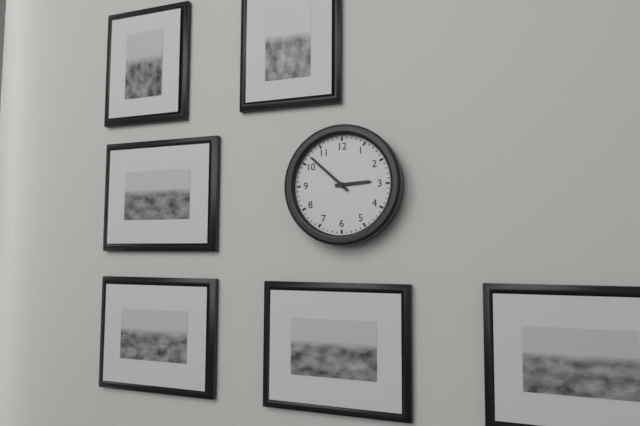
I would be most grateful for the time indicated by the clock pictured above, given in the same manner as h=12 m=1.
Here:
h=2 m=52
